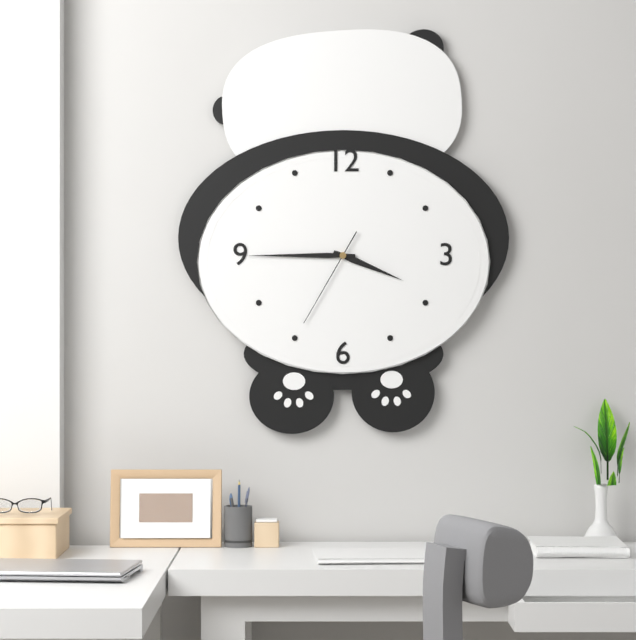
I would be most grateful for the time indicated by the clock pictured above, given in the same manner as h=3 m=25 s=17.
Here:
h=3 m=45 s=35
